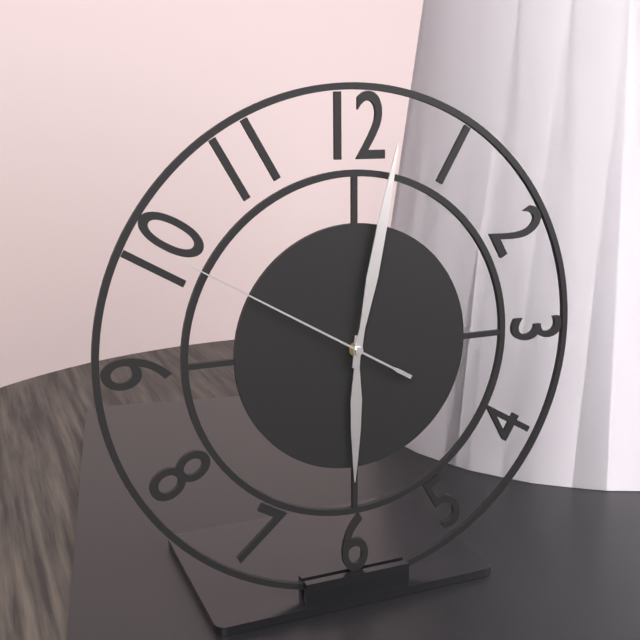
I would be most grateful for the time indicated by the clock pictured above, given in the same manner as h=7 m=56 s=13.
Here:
h=6 m=2 s=50
